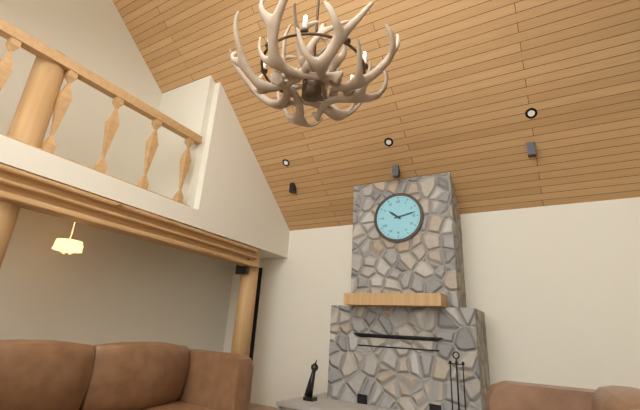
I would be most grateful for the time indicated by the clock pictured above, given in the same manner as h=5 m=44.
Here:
h=10 m=13
